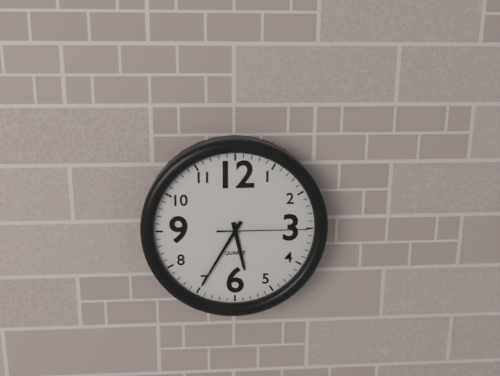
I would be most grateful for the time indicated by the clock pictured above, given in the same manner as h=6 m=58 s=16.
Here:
h=5 m=35 s=15
